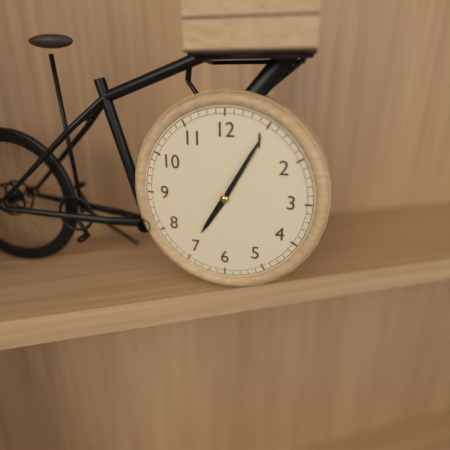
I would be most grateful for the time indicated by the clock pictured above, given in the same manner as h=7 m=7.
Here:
h=7 m=5
